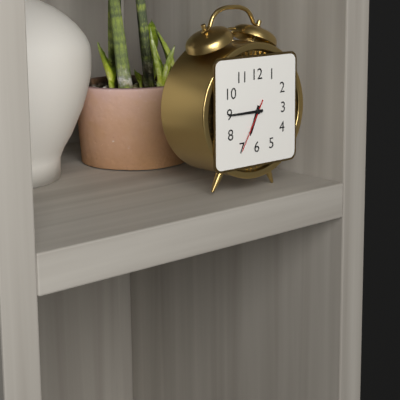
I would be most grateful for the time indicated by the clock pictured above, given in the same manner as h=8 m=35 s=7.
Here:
h=6 m=45 s=35
